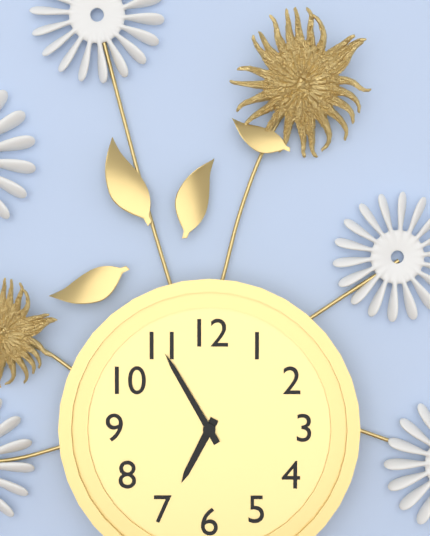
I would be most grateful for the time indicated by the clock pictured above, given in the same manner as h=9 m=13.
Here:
h=6 m=55
